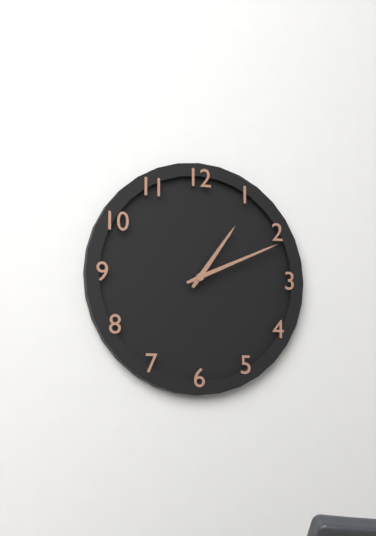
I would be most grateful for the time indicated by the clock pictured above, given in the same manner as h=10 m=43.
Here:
h=1 m=11
